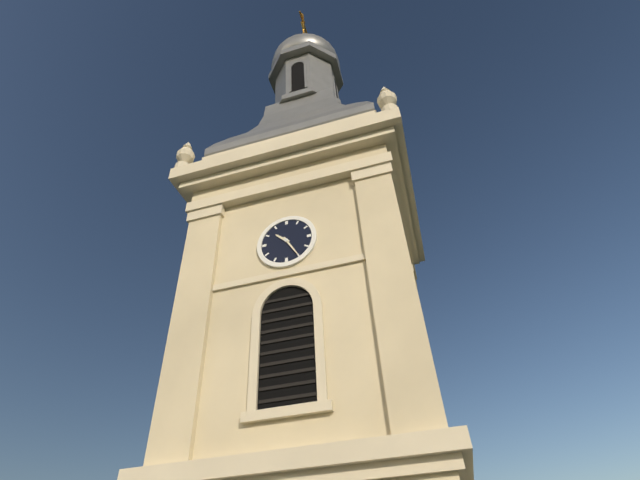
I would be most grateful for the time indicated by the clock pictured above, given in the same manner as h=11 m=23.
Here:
h=10 m=25
